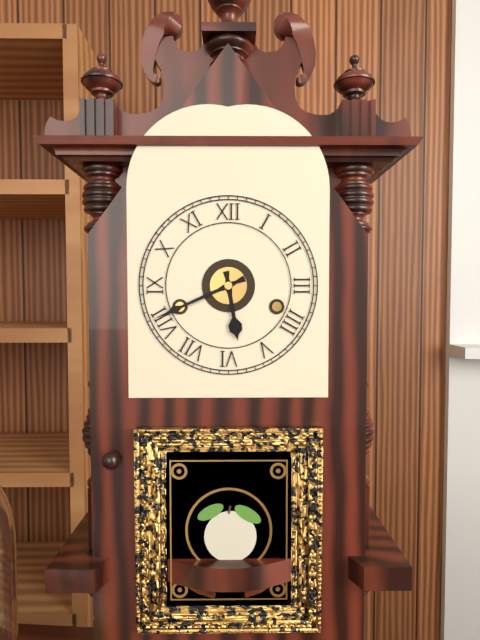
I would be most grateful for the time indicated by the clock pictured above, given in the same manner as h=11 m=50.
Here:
h=5 m=41
